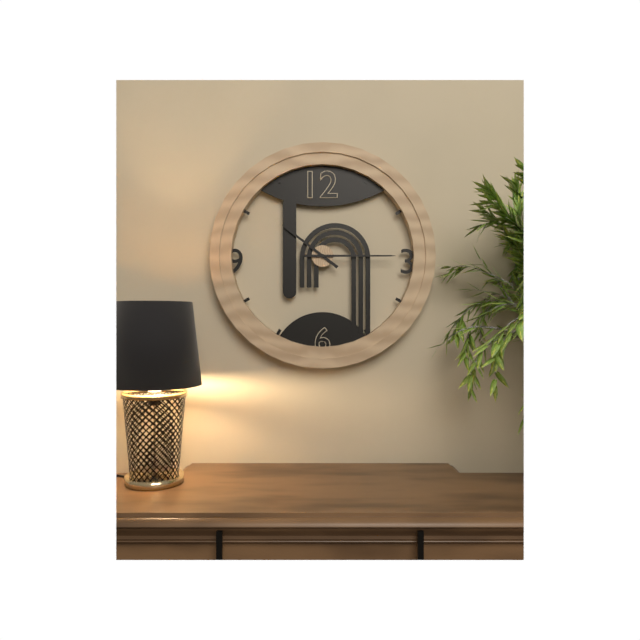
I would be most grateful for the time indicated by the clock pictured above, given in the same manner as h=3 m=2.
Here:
h=10 m=15
